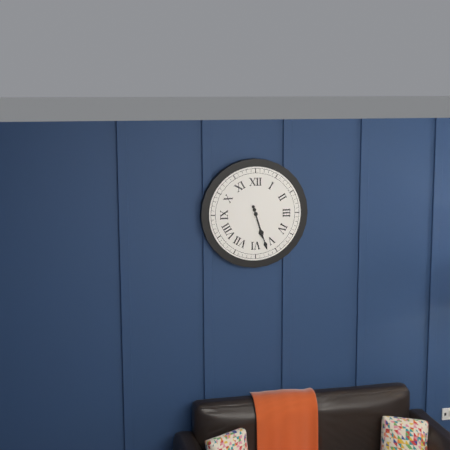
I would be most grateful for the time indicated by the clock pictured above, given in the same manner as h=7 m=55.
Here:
h=5 m=27
